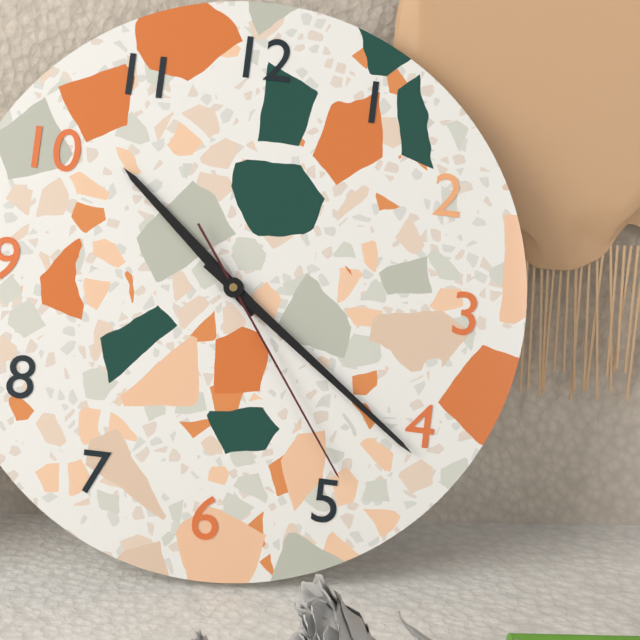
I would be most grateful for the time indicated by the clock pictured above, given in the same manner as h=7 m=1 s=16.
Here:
h=10 m=21 s=24
